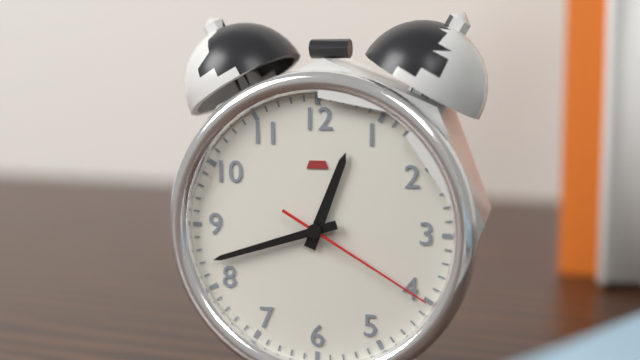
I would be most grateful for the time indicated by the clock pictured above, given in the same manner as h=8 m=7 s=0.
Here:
h=12 m=42 s=20
